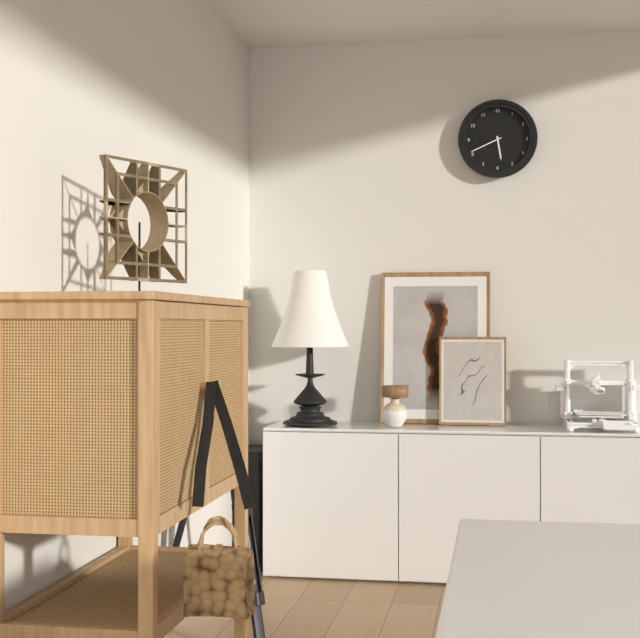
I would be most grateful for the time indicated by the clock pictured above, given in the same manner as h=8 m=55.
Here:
h=5 m=41
